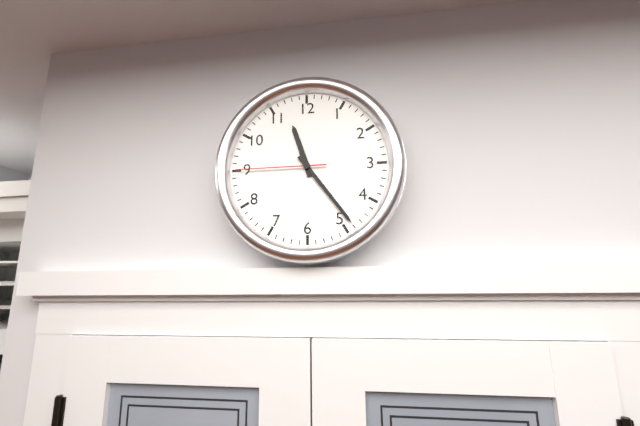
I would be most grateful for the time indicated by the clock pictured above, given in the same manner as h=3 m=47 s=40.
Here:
h=11 m=24 s=45
